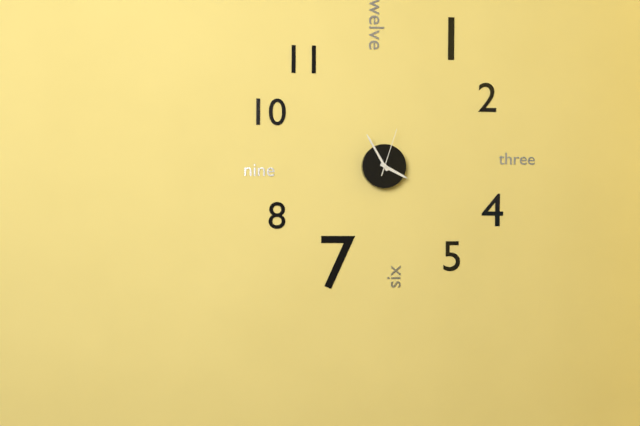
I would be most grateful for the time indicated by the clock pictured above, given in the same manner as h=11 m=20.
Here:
h=3 m=55
